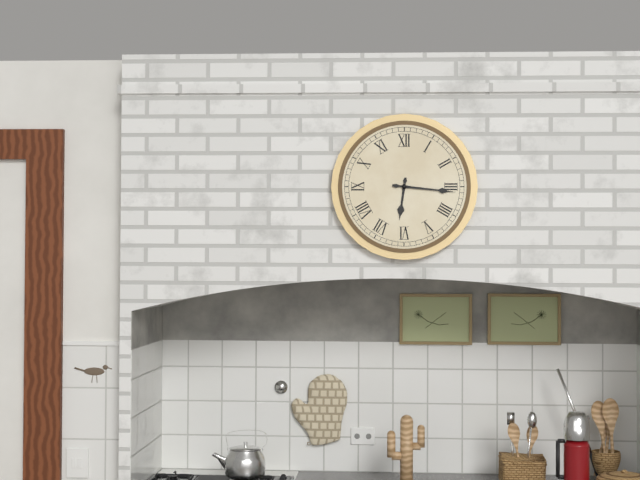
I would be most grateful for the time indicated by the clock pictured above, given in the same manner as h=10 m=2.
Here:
h=6 m=16
